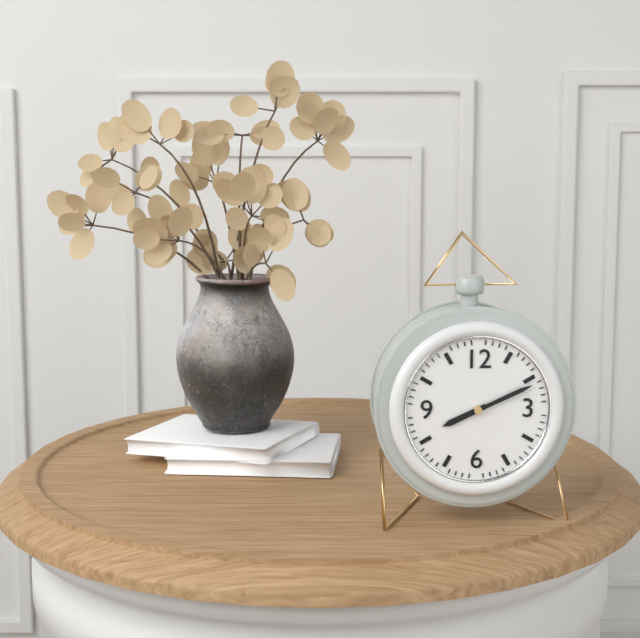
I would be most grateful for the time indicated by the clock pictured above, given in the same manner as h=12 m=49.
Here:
h=8 m=11
